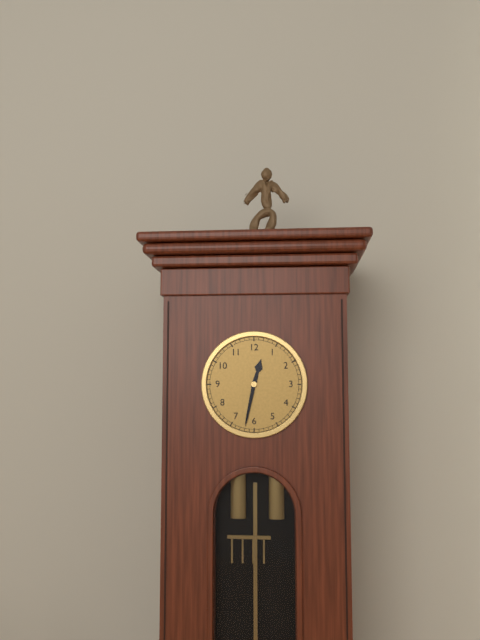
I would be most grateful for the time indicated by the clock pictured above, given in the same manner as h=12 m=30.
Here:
h=12 m=32
